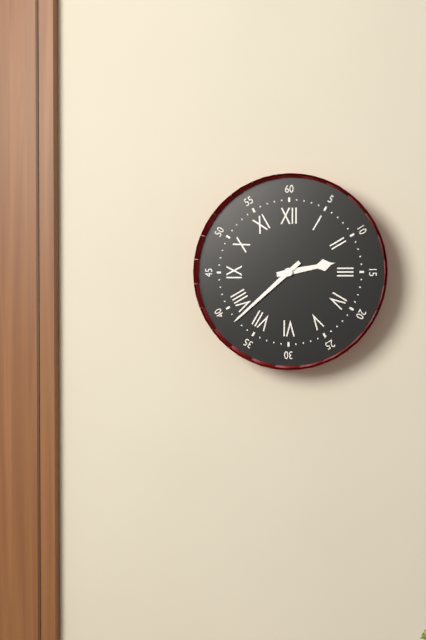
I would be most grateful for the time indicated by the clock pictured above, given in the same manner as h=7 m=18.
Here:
h=2 m=38
